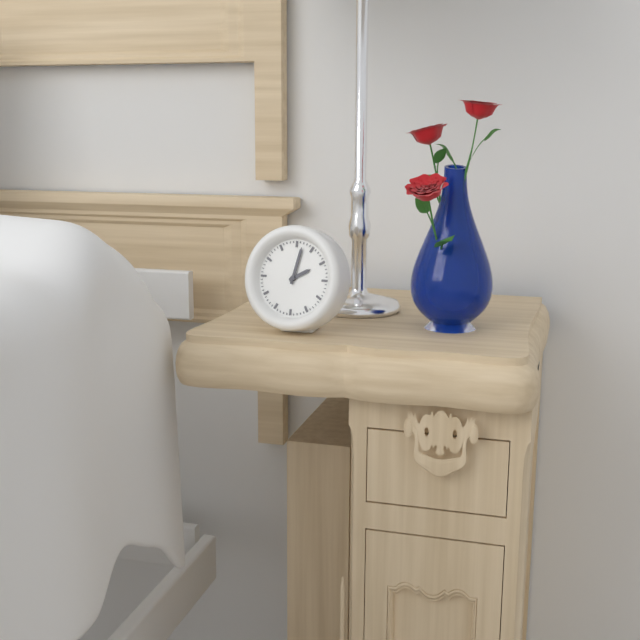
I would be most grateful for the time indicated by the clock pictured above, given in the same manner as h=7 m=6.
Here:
h=2 m=2
